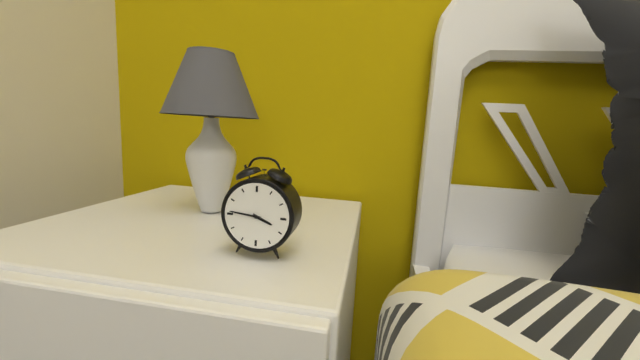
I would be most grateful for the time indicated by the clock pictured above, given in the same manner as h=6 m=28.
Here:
h=3 m=46
